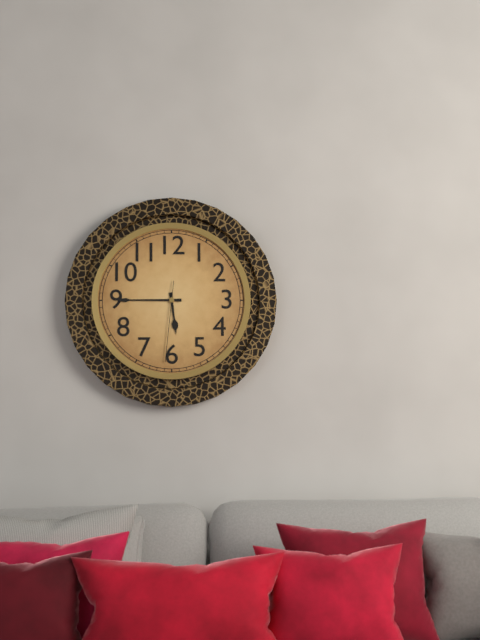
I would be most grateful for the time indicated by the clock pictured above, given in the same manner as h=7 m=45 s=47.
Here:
h=5 m=45 s=31
